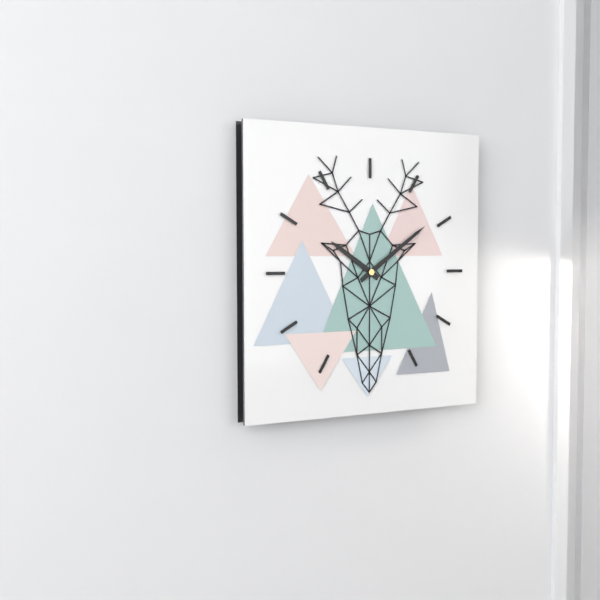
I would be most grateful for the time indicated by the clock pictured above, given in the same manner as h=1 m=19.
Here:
h=10 m=9
